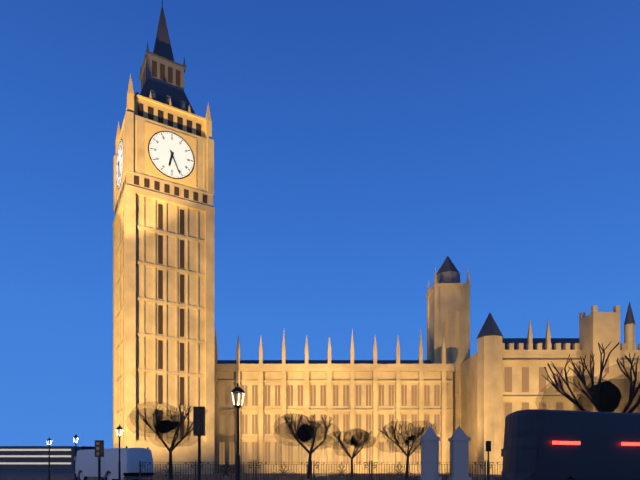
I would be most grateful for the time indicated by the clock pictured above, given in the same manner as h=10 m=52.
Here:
h=6 m=26
